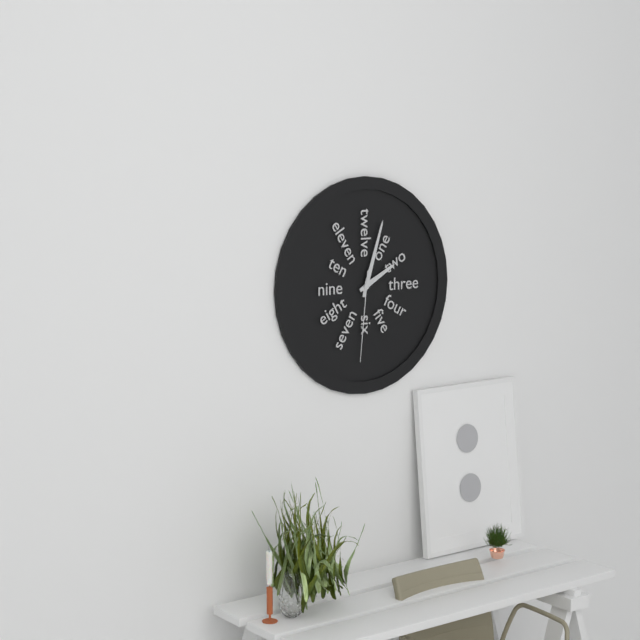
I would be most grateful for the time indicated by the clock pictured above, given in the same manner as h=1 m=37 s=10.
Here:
h=2 m=3 s=31
